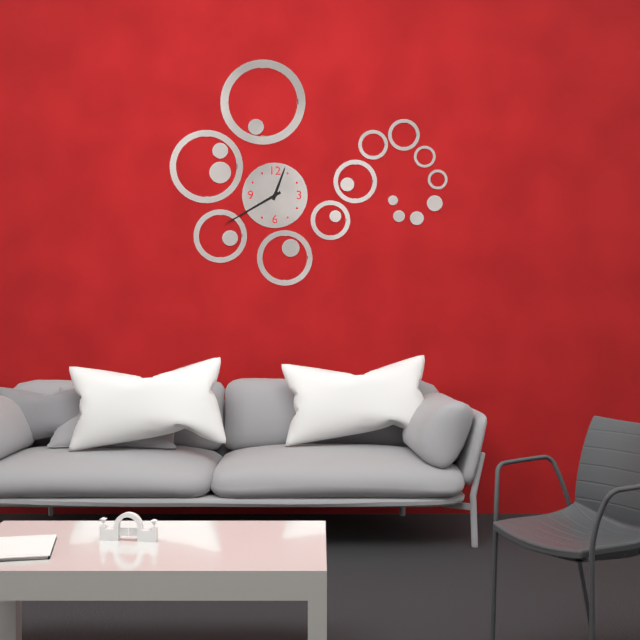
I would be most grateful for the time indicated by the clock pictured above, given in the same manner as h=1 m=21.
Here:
h=12 m=40
